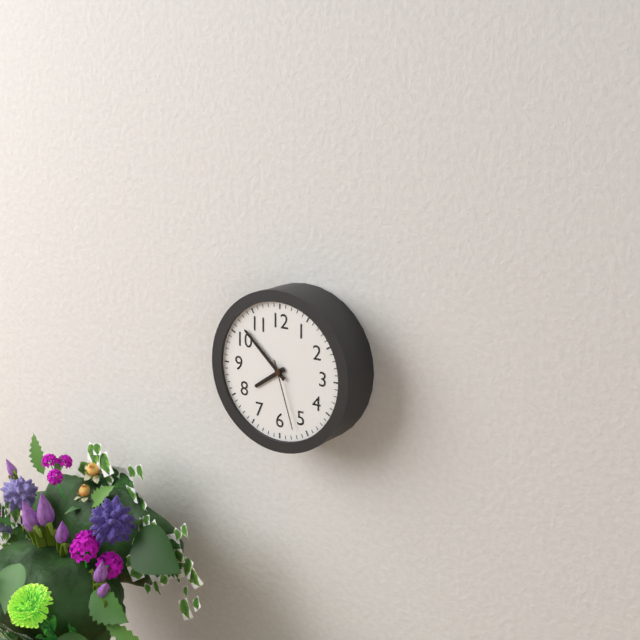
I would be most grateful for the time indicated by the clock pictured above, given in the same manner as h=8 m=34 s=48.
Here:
h=7 m=52 s=27
